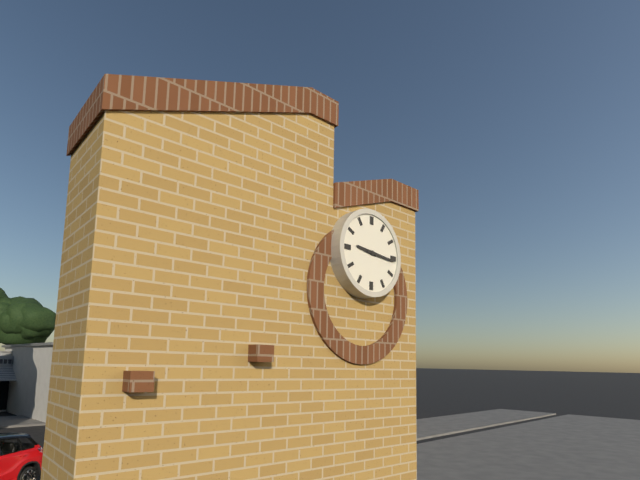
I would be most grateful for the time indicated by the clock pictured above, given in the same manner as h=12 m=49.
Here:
h=9 m=16
